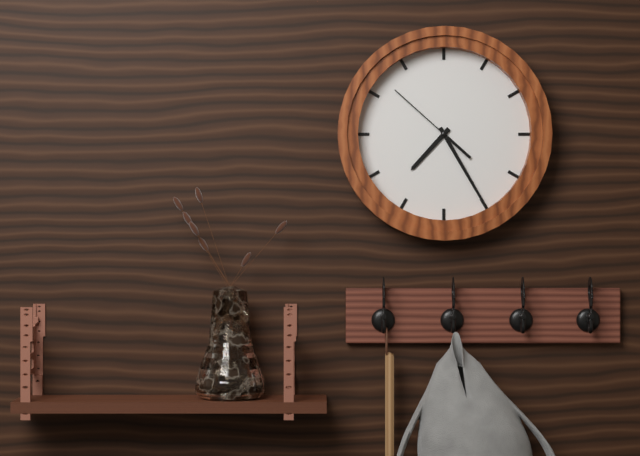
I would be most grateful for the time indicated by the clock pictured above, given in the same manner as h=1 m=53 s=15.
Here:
h=7 m=25 s=52
